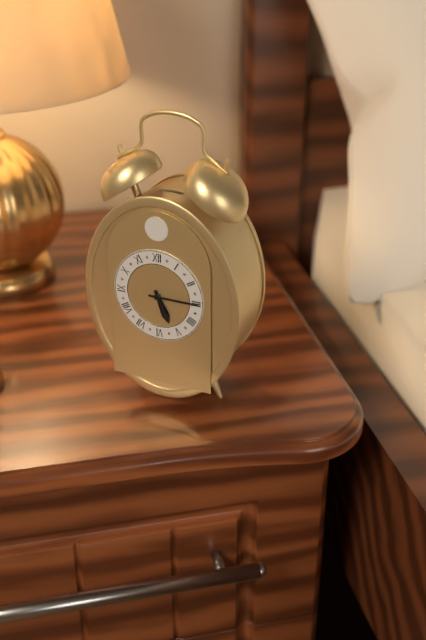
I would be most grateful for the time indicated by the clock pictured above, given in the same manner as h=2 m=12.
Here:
h=5 m=15
